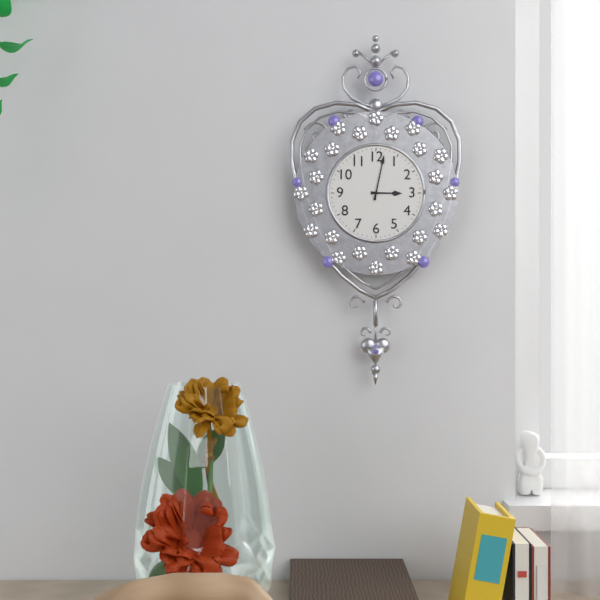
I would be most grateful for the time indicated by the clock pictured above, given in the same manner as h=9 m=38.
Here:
h=3 m=2
